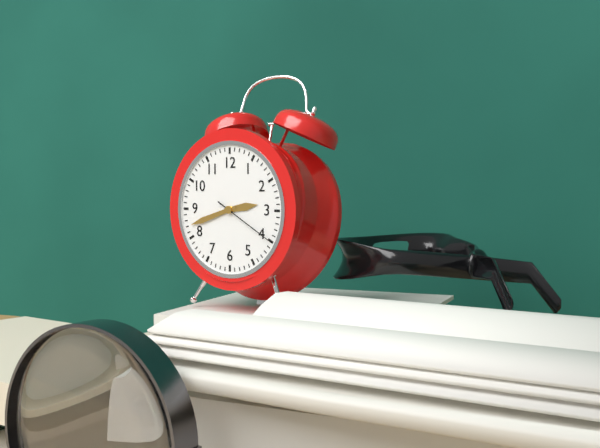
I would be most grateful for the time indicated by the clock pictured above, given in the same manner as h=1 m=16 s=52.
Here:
h=2 m=42 s=20
